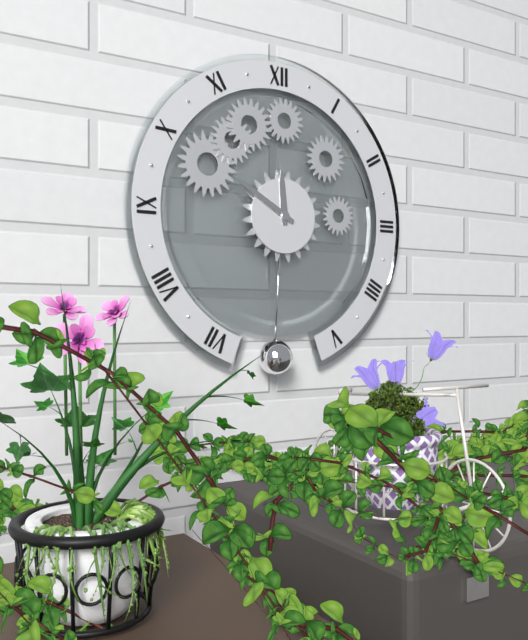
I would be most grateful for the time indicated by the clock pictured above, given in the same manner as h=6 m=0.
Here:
h=11 m=50
